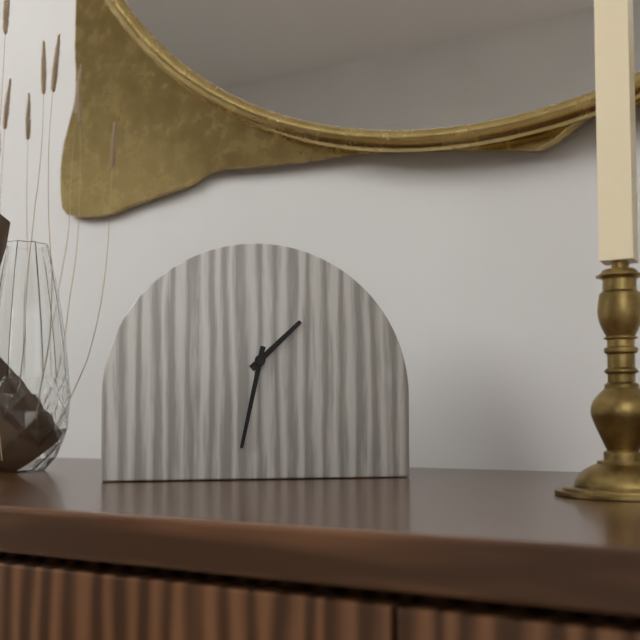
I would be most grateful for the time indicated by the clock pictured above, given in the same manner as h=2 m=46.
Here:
h=1 m=32
